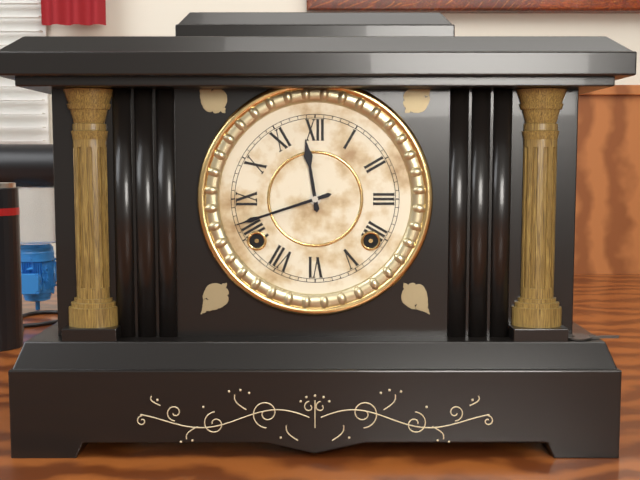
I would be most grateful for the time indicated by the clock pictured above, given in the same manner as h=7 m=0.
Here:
h=11 m=42
